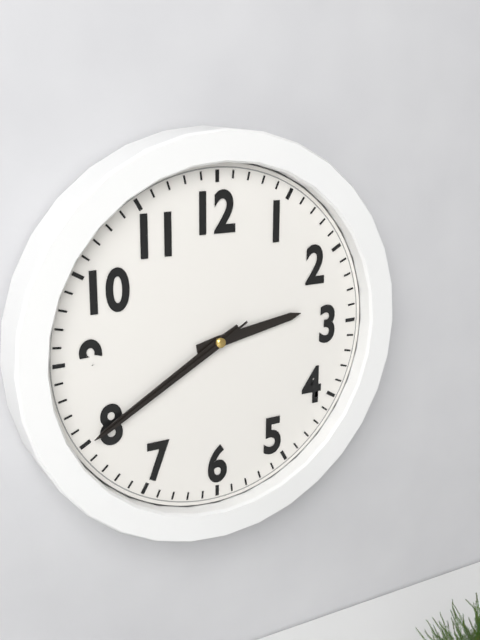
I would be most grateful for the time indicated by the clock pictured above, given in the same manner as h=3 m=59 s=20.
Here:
h=2 m=40 s=40
